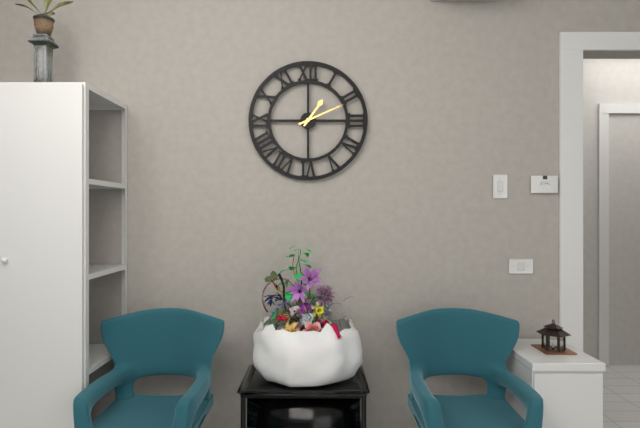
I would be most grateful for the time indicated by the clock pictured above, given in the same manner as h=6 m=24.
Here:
h=1 m=11
